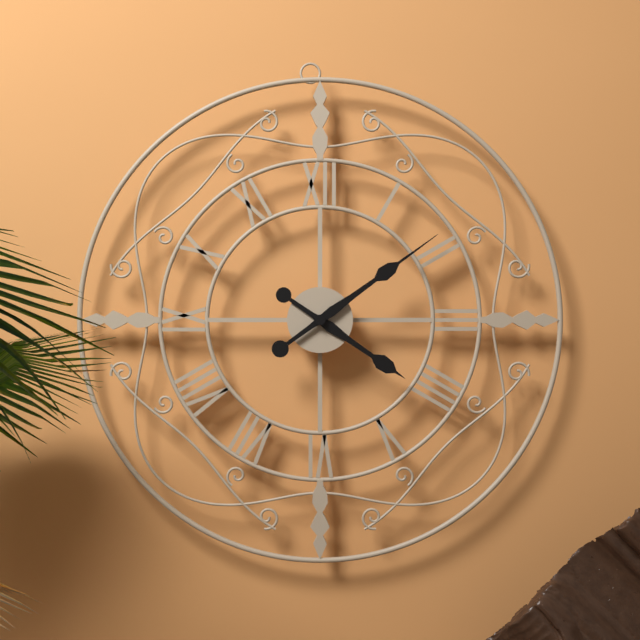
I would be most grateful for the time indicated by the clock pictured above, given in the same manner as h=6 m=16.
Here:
h=4 m=9
